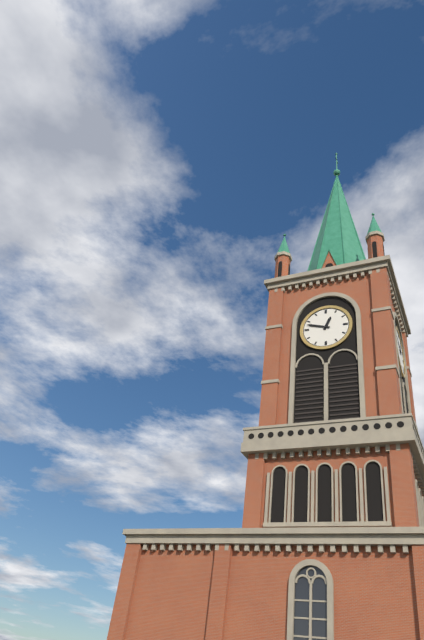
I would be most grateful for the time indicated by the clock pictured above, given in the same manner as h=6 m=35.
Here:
h=12 m=48
